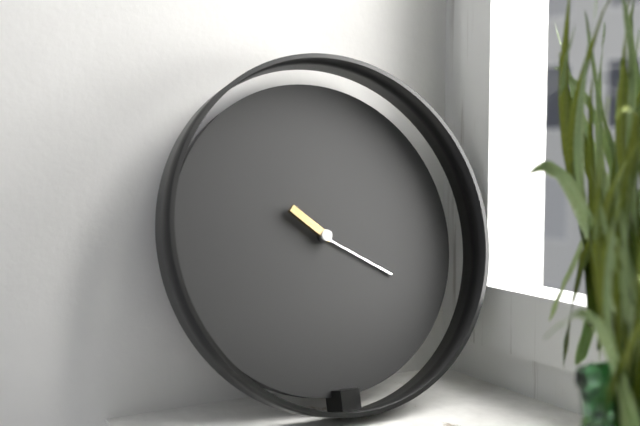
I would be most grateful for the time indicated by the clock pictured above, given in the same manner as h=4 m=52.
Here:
h=10 m=20
